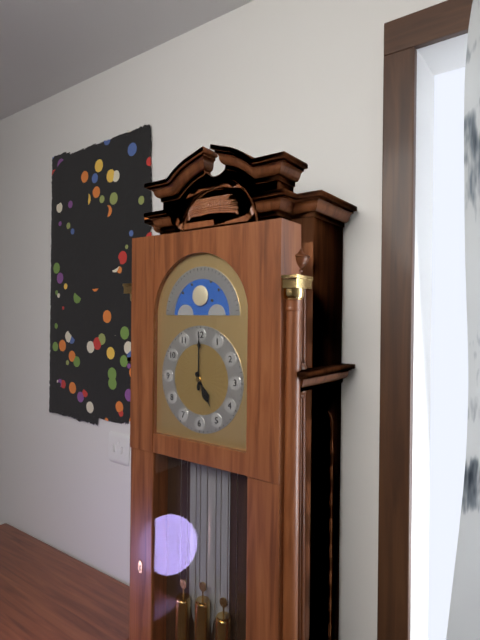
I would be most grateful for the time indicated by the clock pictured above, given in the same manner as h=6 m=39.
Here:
h=5 m=0
